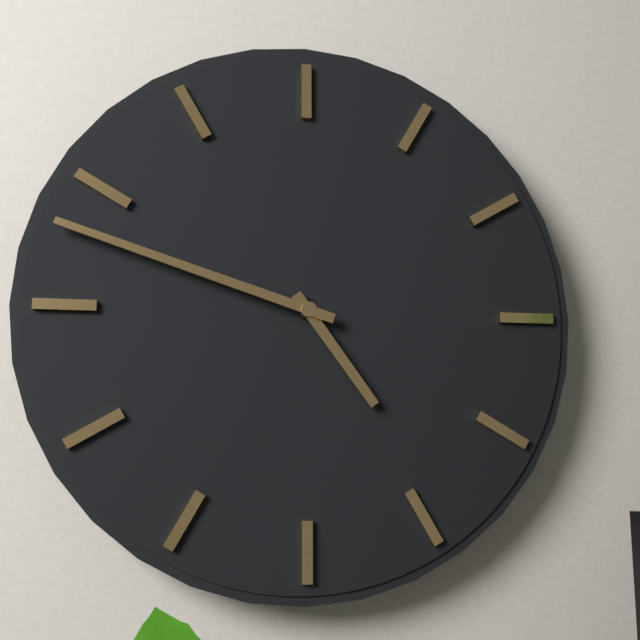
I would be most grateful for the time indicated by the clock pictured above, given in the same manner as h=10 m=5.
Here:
h=4 m=48
